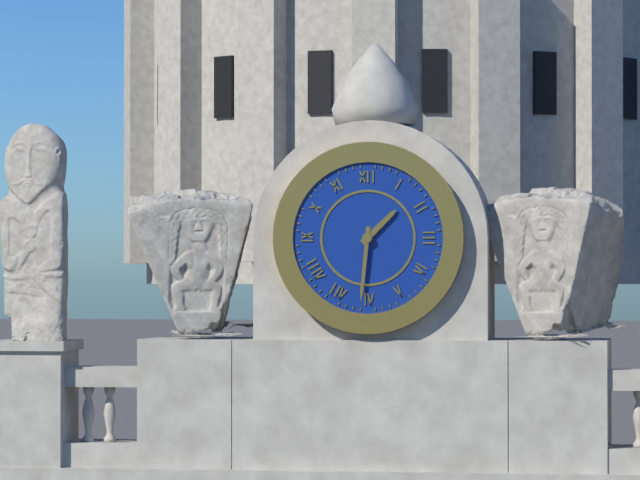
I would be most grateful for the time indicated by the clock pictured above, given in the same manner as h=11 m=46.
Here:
h=1 m=31
